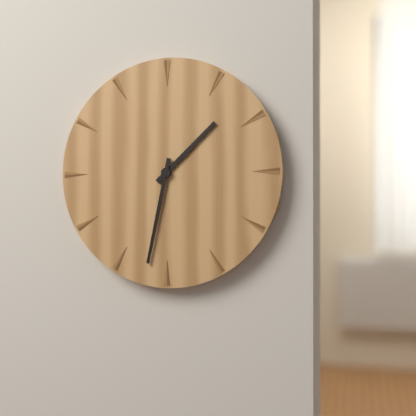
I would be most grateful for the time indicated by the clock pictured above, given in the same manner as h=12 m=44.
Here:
h=1 m=32
